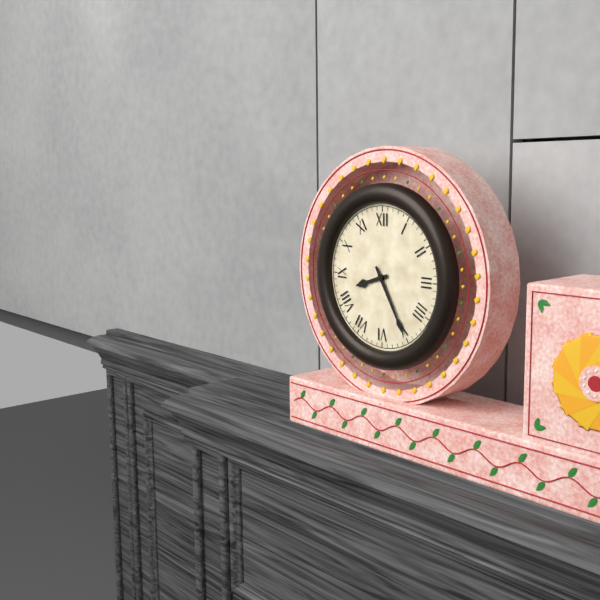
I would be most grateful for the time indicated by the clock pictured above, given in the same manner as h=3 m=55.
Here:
h=8 m=25
